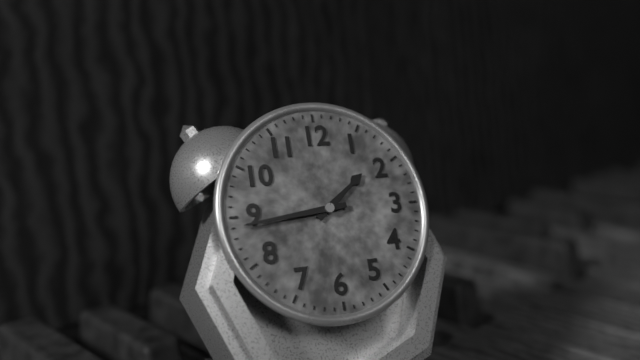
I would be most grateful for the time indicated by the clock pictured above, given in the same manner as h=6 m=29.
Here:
h=1 m=44
